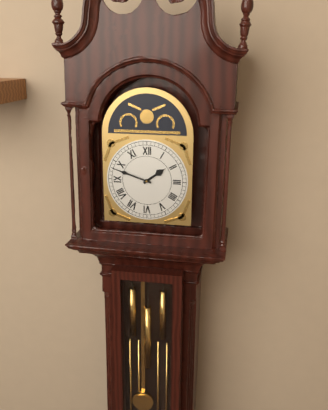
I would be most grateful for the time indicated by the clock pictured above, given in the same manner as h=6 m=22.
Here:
h=1 m=48
